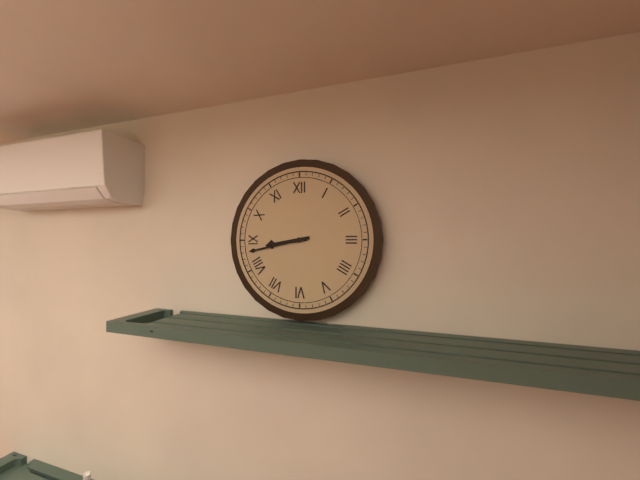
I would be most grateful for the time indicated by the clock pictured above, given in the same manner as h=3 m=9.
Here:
h=8 m=43
